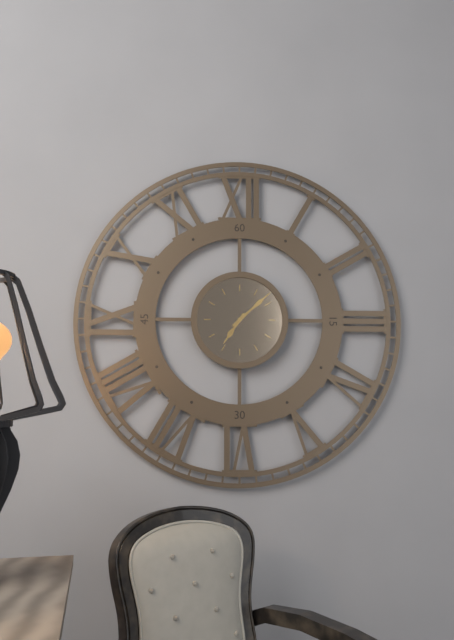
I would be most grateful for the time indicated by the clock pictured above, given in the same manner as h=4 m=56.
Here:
h=7 m=8
